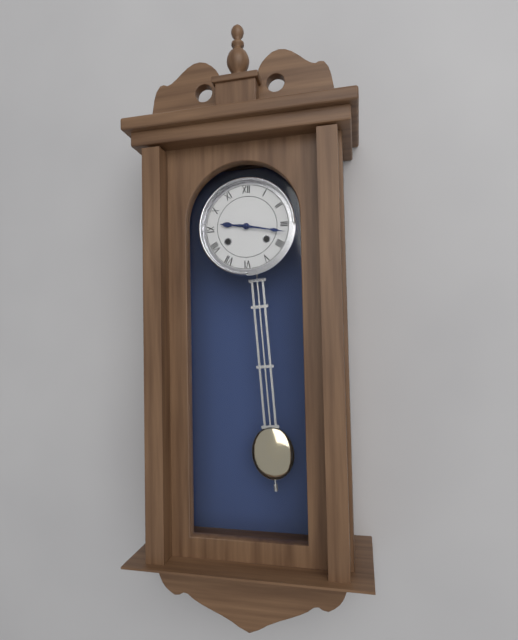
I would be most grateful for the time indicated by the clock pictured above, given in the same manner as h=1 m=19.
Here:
h=9 m=17
